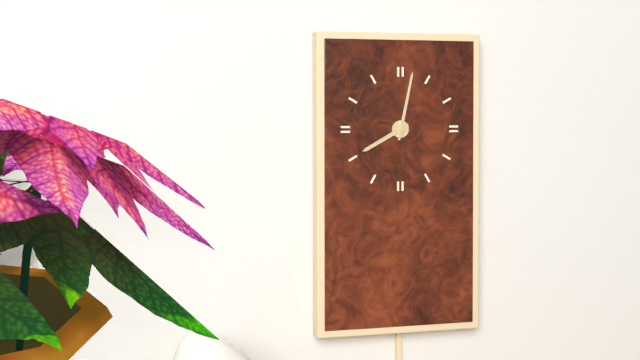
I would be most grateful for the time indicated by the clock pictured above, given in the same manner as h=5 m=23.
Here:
h=8 m=2
